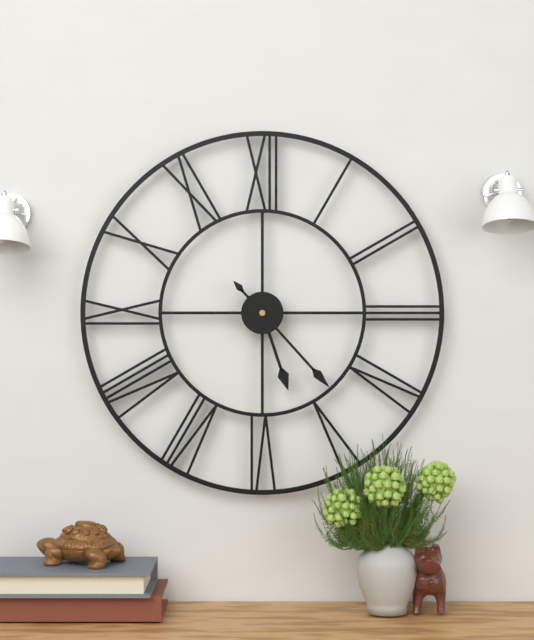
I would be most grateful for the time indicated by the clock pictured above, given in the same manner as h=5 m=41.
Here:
h=5 m=23
